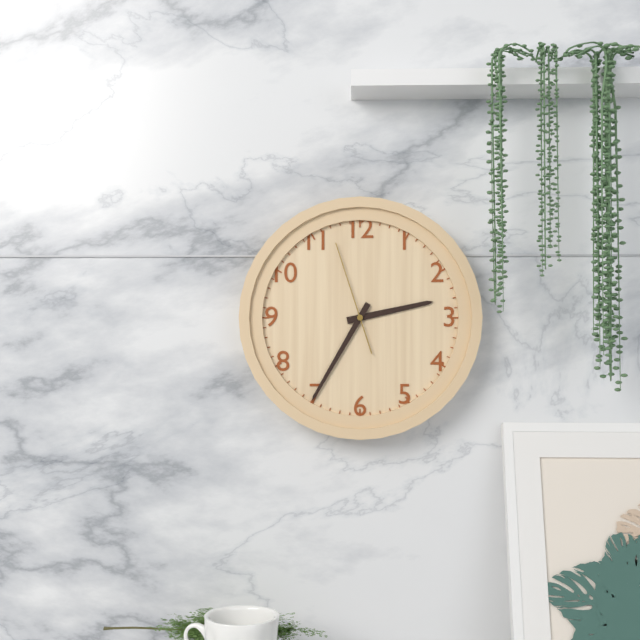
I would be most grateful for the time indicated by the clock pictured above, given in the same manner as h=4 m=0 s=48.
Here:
h=2 m=35 s=57
